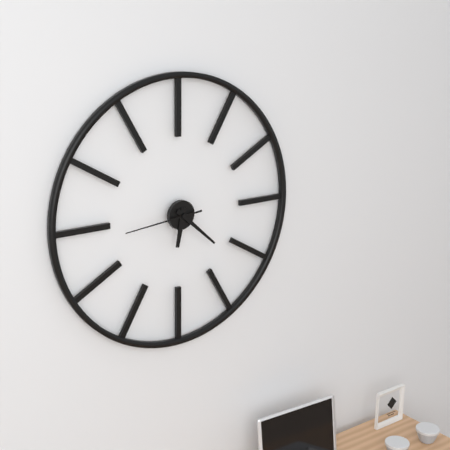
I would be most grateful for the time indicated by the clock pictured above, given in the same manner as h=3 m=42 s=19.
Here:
h=6 m=22 s=44
